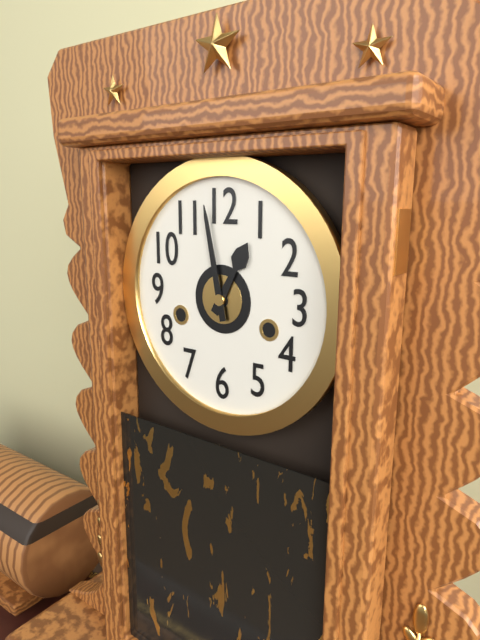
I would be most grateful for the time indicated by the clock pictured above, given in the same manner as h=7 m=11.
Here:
h=12 m=58
